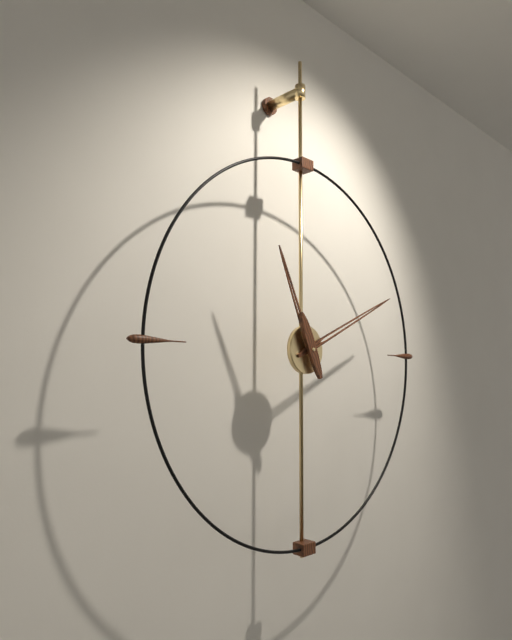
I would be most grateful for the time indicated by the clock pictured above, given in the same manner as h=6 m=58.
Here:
h=11 m=11
